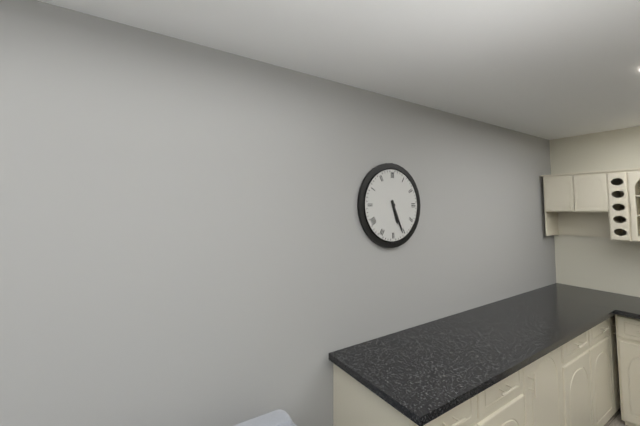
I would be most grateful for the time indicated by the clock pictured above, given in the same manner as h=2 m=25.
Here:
h=5 m=26
